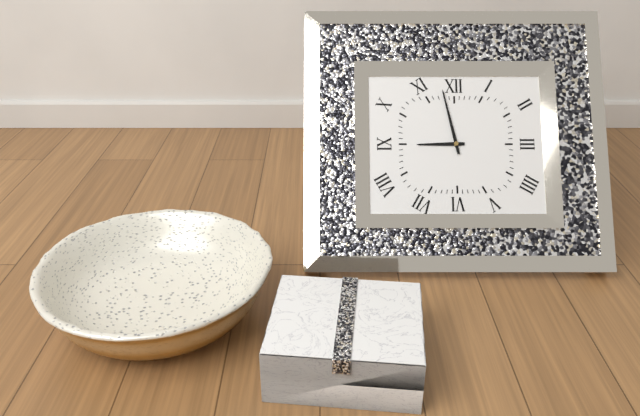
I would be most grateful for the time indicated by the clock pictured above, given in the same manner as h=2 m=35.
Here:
h=8 m=58
